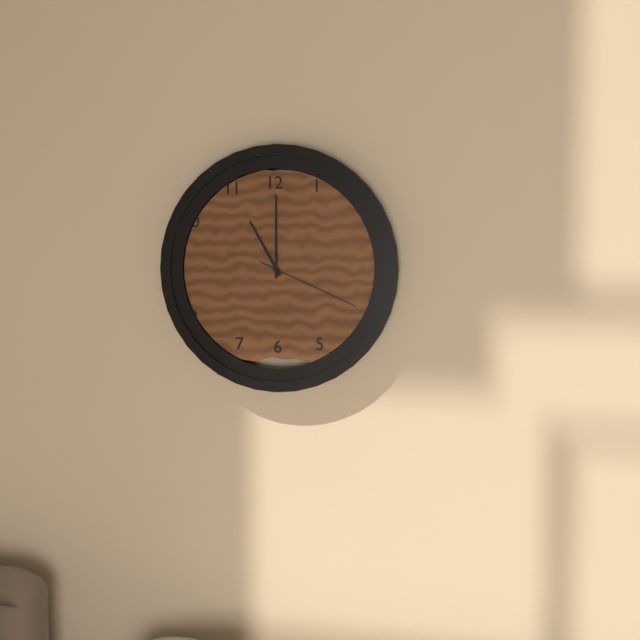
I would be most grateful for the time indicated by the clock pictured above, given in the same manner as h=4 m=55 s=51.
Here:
h=11 m=0 s=19
